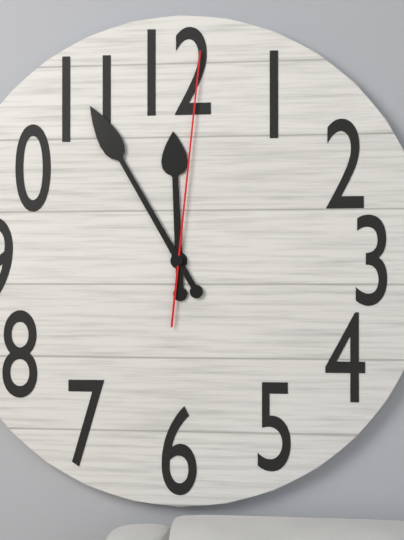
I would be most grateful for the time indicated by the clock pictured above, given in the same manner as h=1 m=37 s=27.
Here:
h=11 m=55 s=1
